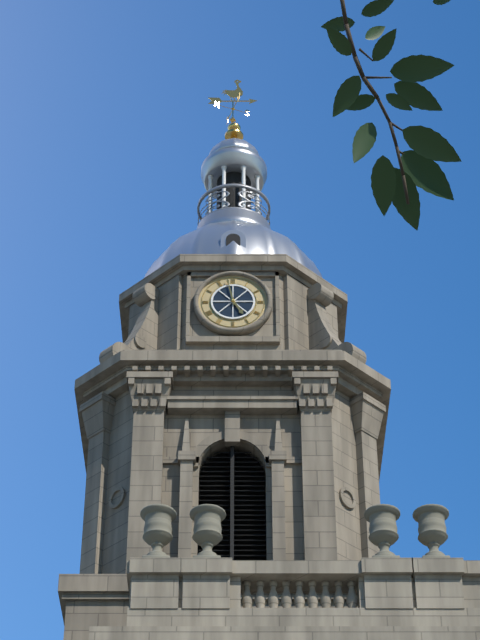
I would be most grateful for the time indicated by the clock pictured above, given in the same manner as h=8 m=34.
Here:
h=4 m=58
